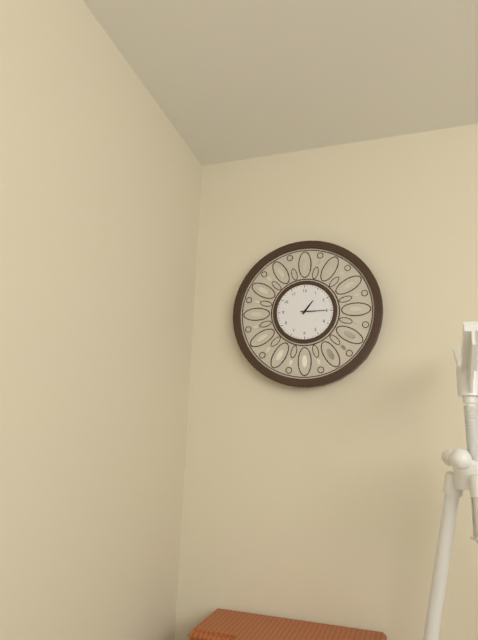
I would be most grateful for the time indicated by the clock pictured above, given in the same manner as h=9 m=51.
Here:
h=1 m=15
